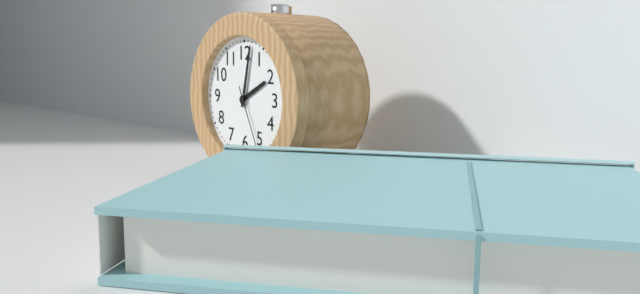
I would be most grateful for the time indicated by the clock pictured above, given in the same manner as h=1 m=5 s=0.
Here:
h=2 m=2 s=26
